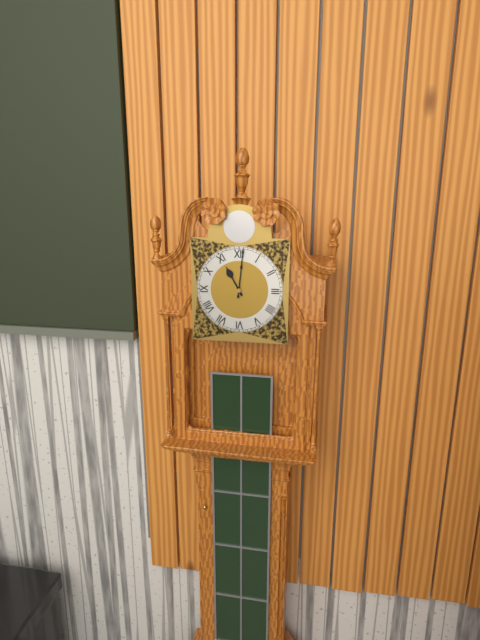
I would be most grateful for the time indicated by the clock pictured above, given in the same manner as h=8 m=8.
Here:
h=11 m=1
